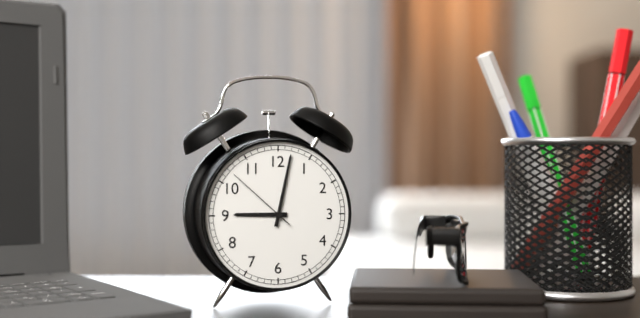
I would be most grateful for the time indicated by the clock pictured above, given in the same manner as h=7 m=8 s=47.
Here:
h=9 m=2 s=52
